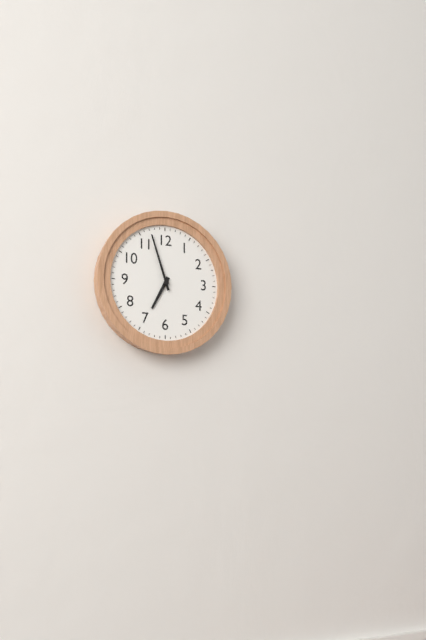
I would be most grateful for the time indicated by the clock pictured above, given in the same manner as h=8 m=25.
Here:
h=6 m=57
